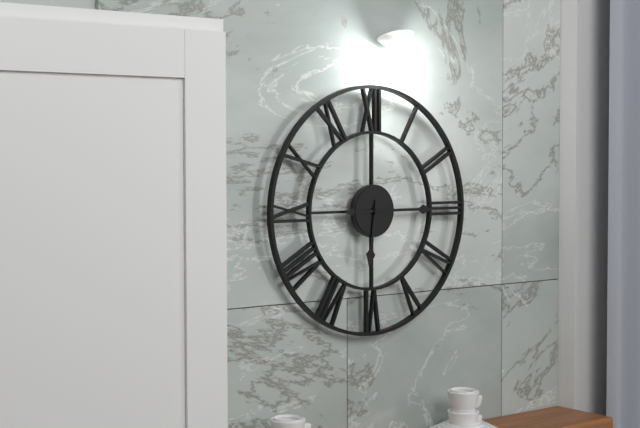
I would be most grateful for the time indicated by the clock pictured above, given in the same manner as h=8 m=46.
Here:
h=6 m=15
